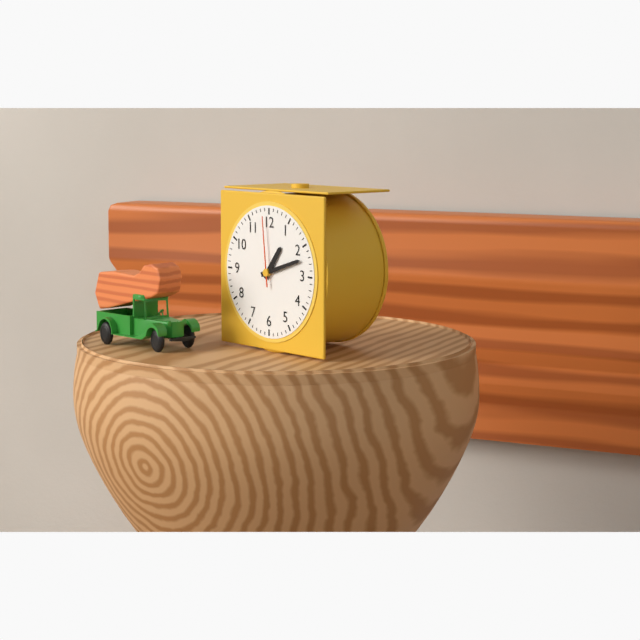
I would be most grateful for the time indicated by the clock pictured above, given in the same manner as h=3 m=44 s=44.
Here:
h=1 m=12 s=59
